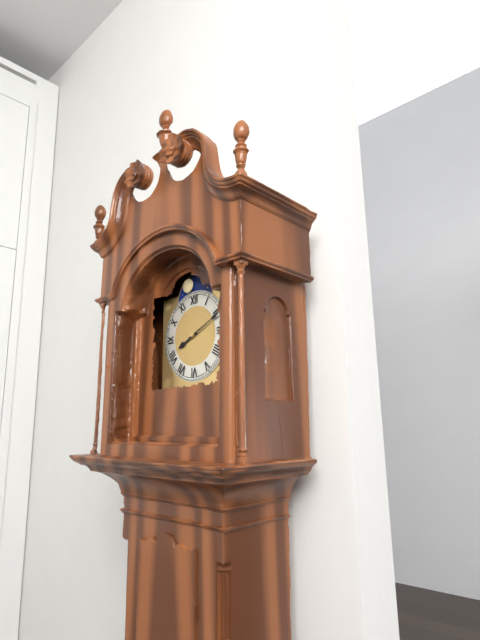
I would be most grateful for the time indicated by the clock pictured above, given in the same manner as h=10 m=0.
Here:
h=8 m=11
